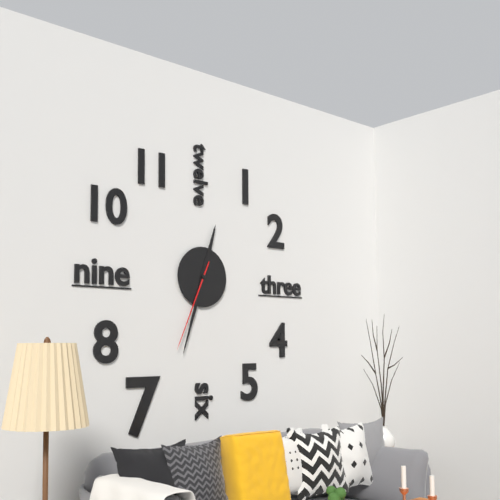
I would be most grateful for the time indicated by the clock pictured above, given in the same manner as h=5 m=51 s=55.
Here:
h=12 m=33 s=34
